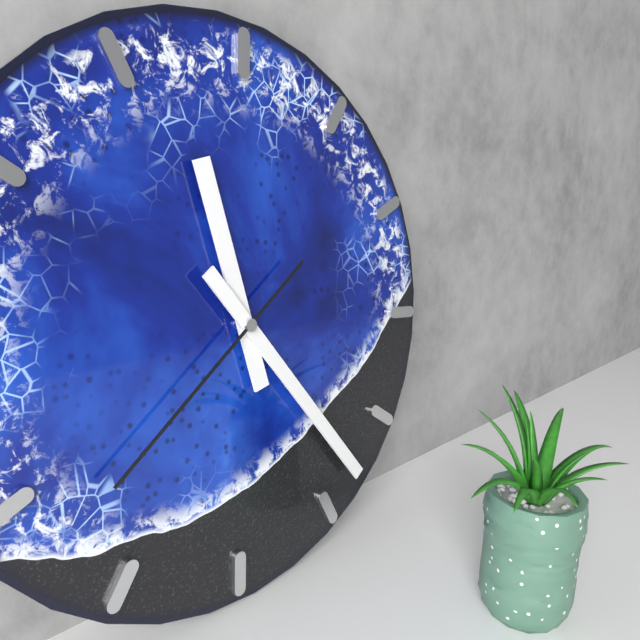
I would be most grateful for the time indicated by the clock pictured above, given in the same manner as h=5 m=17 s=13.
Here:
h=11 m=23 s=38
